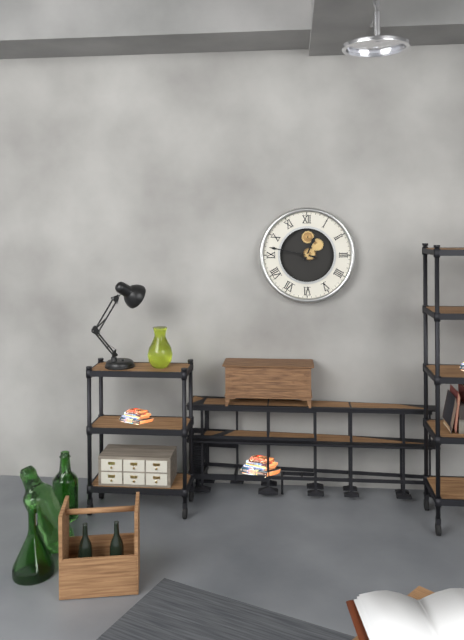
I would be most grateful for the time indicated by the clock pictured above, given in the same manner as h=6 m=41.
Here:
h=12 m=47
